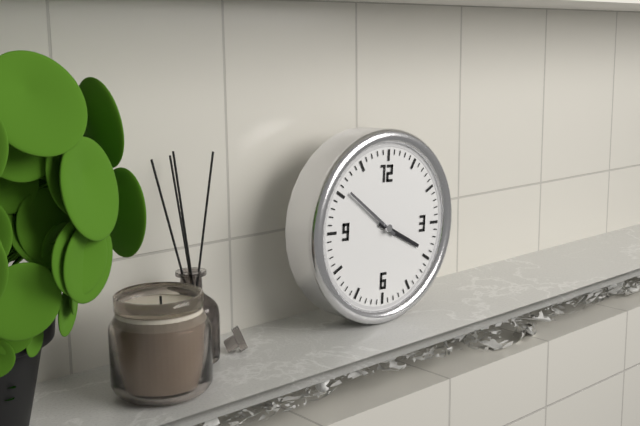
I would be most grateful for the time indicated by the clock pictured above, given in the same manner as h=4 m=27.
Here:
h=3 m=51
